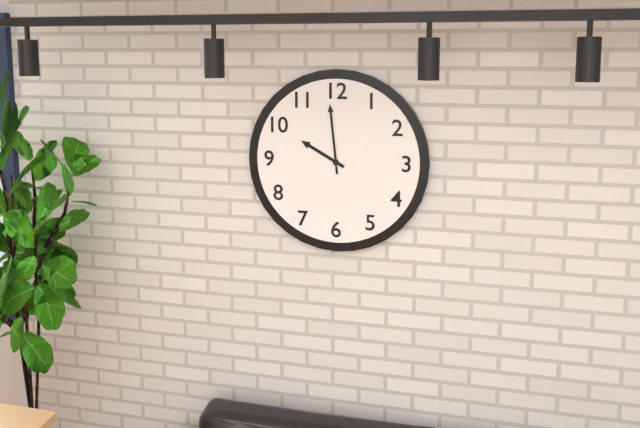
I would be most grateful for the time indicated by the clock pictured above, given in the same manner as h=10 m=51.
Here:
h=9 m=59
